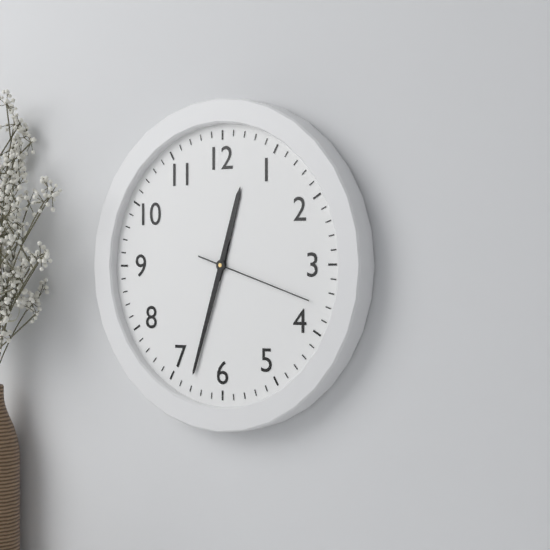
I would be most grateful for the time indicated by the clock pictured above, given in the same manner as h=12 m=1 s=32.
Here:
h=12 m=33 s=18
